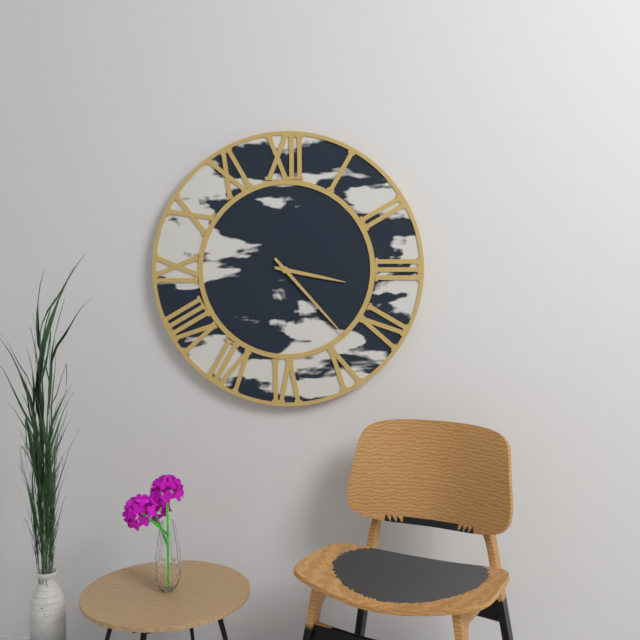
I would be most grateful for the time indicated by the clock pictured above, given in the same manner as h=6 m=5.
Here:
h=3 m=23
